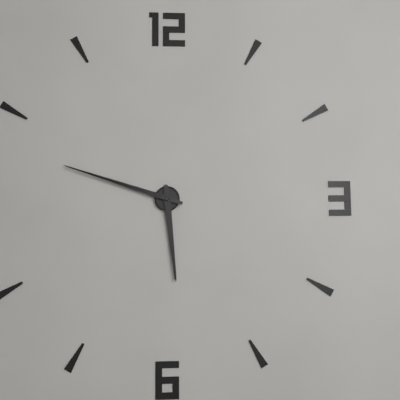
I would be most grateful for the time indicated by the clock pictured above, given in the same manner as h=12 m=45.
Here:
h=5 m=48
